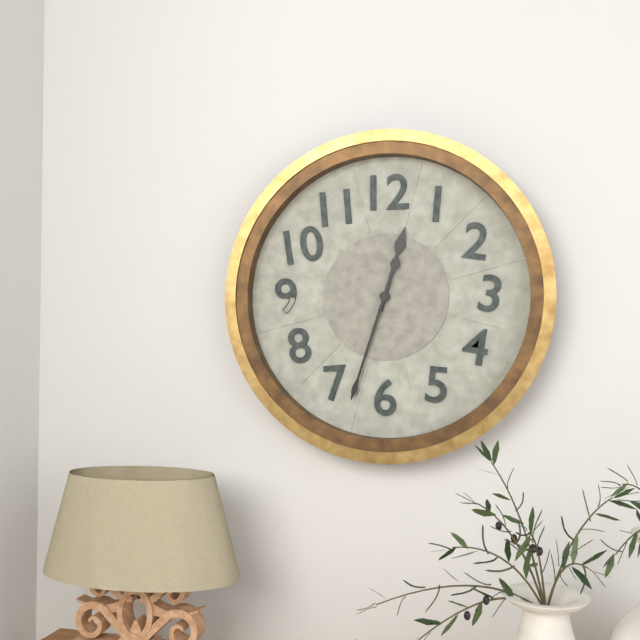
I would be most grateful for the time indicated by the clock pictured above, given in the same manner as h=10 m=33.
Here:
h=12 m=33
